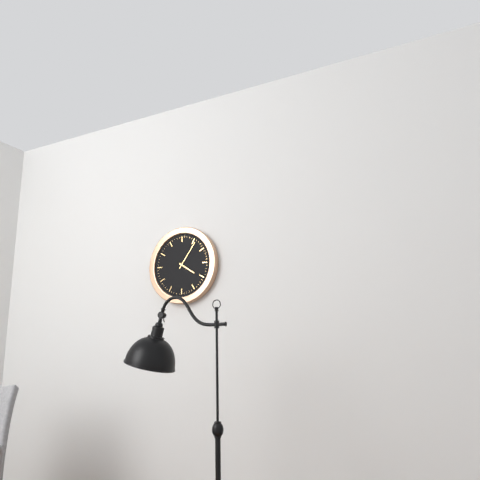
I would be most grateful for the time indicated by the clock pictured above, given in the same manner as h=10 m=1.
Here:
h=4 m=6
